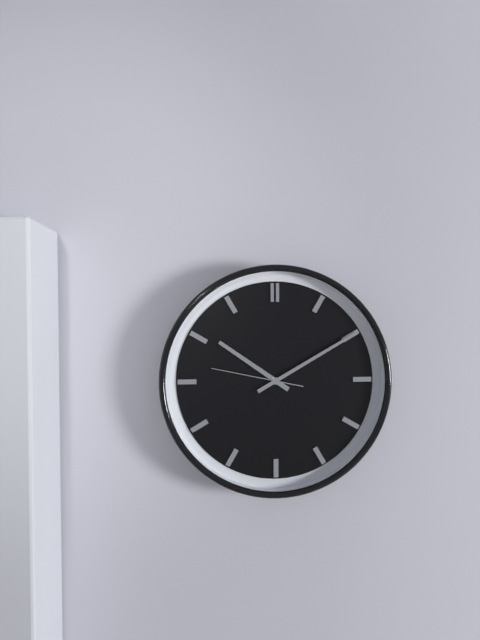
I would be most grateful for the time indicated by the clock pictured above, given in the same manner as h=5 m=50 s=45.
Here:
h=10 m=10 s=47
